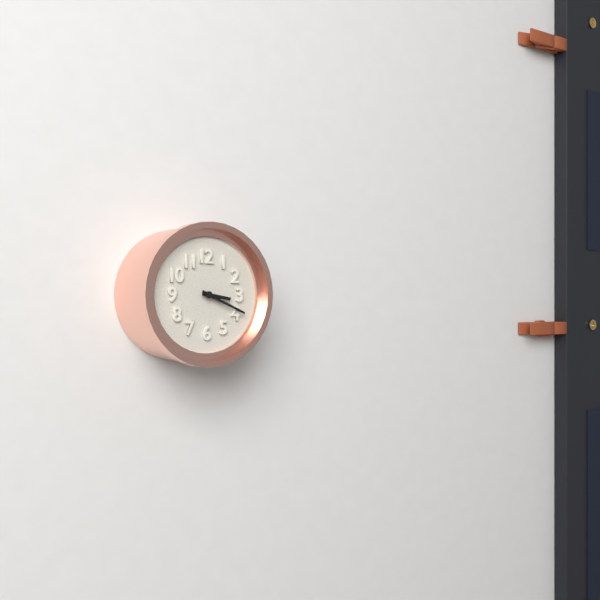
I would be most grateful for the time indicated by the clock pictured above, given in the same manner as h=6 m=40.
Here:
h=3 m=19
